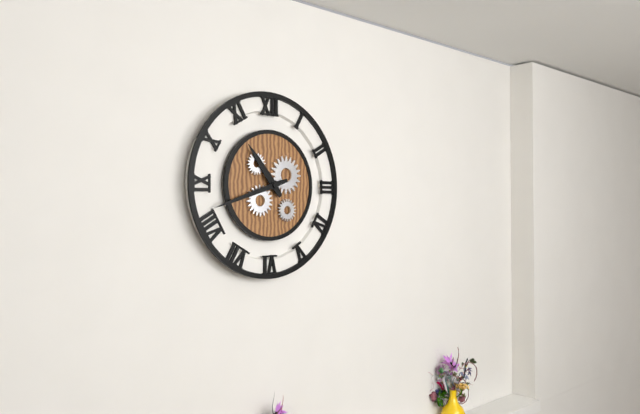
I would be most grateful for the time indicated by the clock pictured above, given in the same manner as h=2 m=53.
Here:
h=10 m=42
